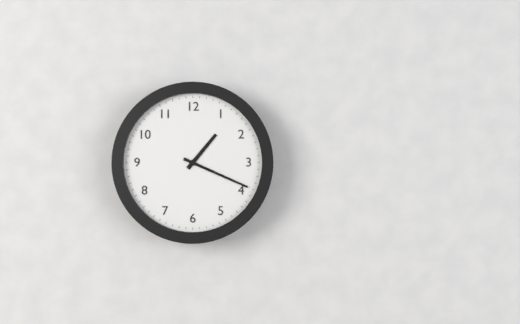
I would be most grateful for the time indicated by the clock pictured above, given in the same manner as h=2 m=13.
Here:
h=1 m=19
